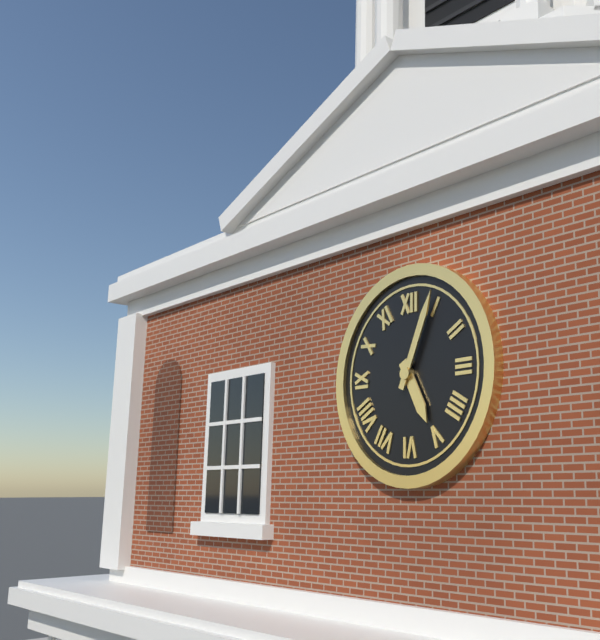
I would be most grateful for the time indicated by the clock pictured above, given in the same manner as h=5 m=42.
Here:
h=5 m=4
